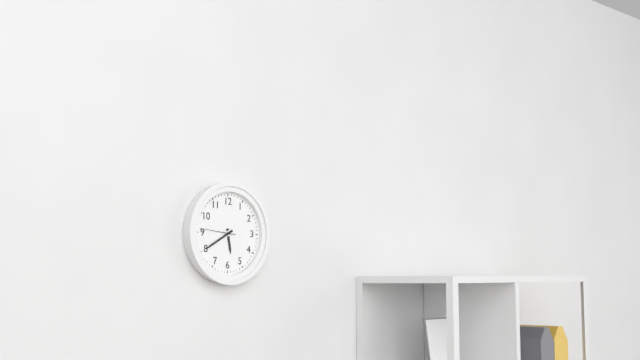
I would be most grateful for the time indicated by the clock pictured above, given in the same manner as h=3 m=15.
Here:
h=5 m=40
